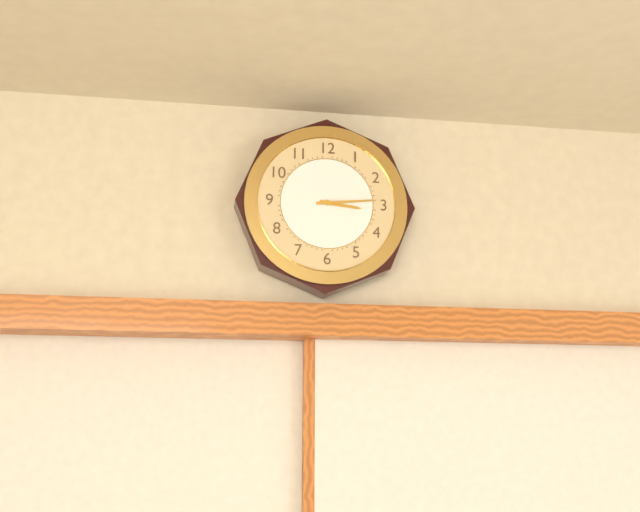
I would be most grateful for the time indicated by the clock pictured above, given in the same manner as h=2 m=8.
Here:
h=3 m=14
